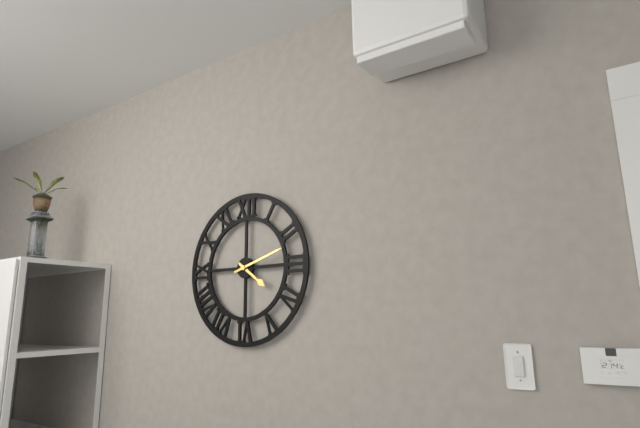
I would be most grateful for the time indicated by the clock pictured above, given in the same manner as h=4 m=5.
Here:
h=4 m=12
